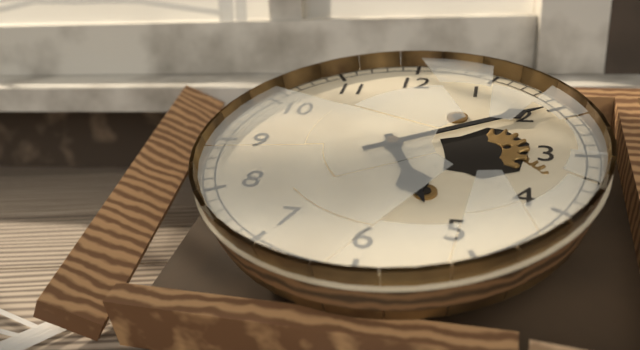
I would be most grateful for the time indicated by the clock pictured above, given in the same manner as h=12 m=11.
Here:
h=5 m=10
